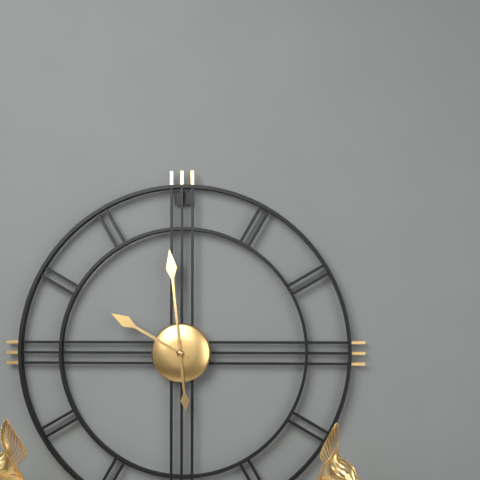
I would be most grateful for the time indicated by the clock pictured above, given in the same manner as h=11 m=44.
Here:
h=9 m=59
